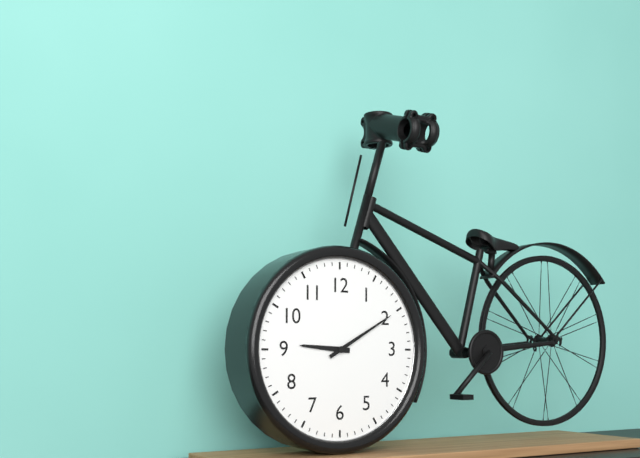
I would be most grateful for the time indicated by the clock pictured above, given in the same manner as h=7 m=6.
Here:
h=9 m=10
